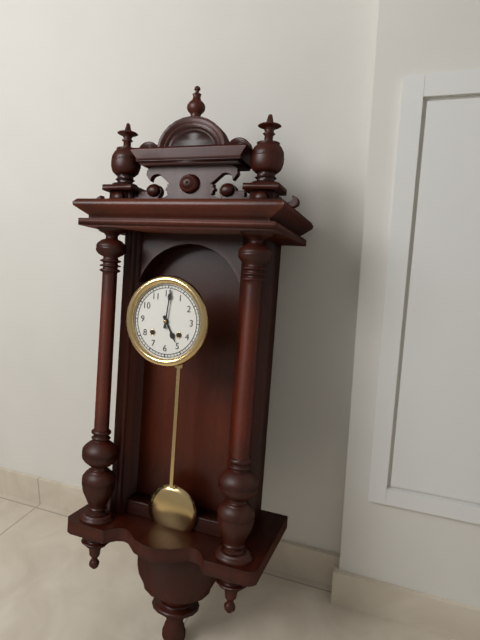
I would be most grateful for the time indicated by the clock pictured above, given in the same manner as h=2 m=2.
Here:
h=5 m=1
